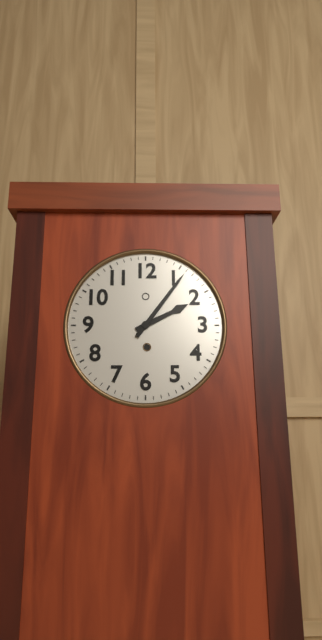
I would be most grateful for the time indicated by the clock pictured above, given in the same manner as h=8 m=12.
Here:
h=2 m=6
